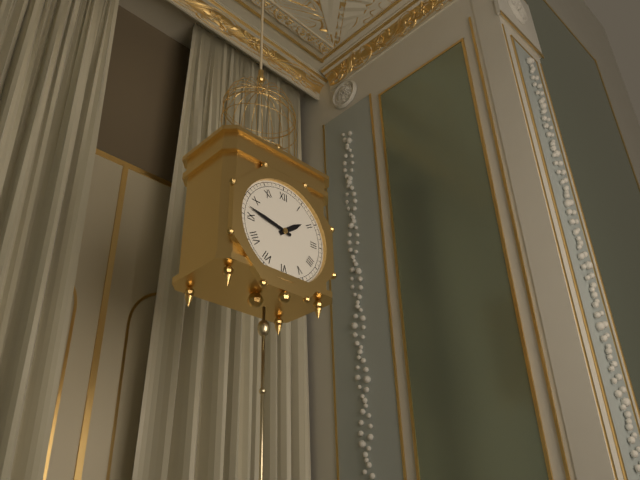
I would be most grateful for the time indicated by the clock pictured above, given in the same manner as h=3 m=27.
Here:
h=1 m=47
